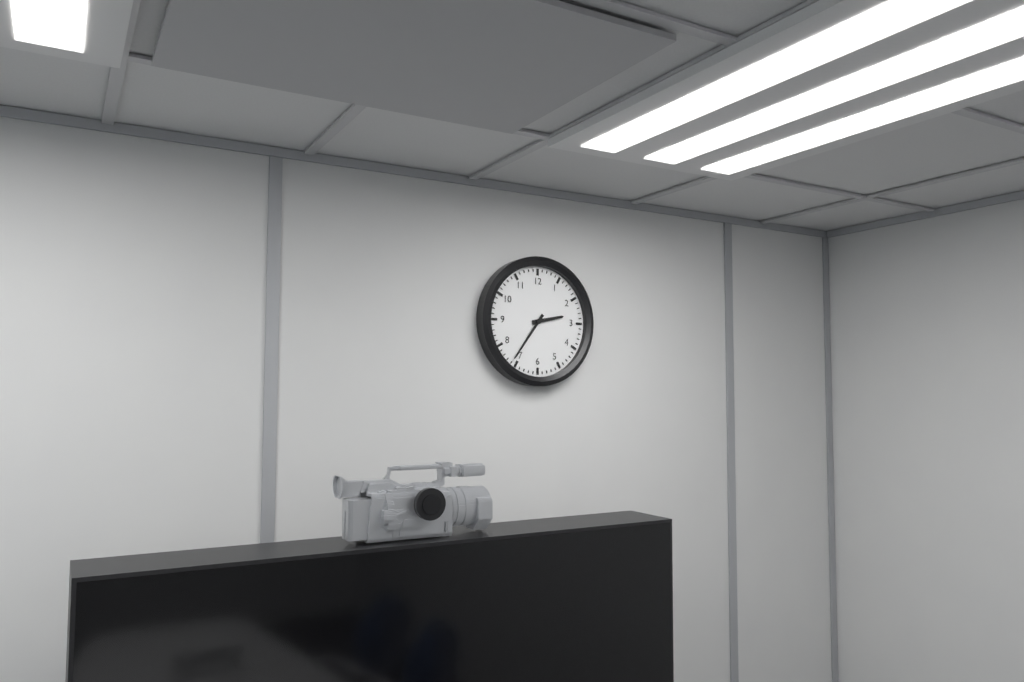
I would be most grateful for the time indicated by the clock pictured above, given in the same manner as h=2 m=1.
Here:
h=2 m=36
